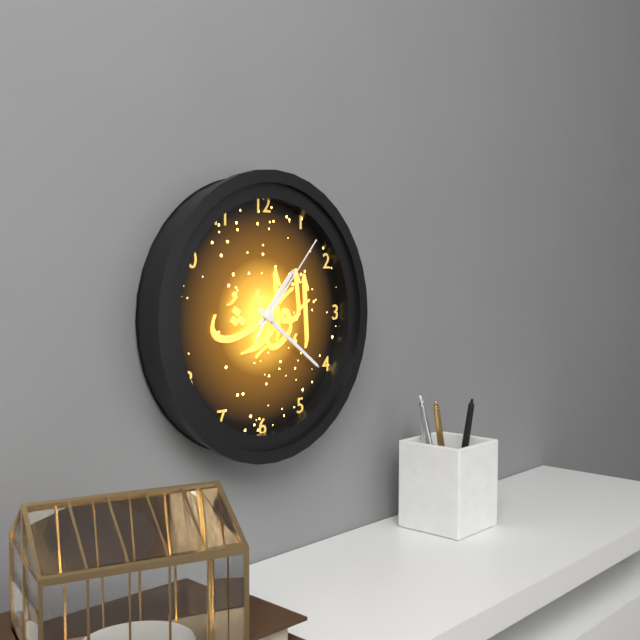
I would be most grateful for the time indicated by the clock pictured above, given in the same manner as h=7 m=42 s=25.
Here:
h=1 m=21 s=7
